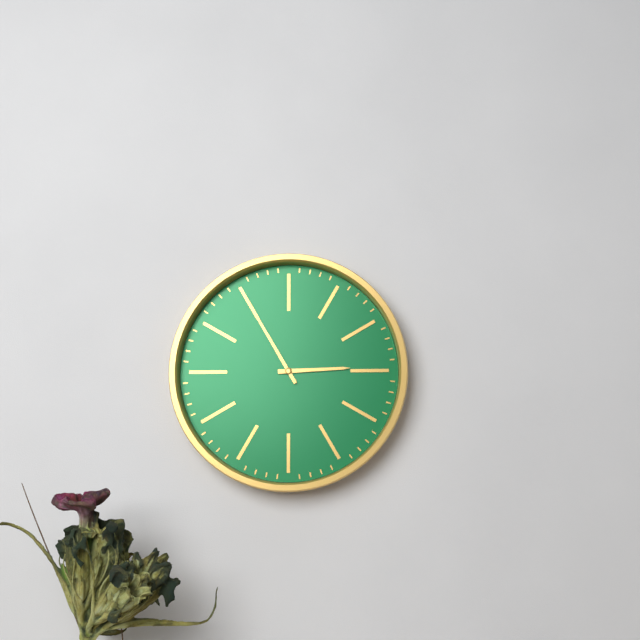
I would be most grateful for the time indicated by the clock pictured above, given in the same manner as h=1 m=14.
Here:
h=2 m=55
